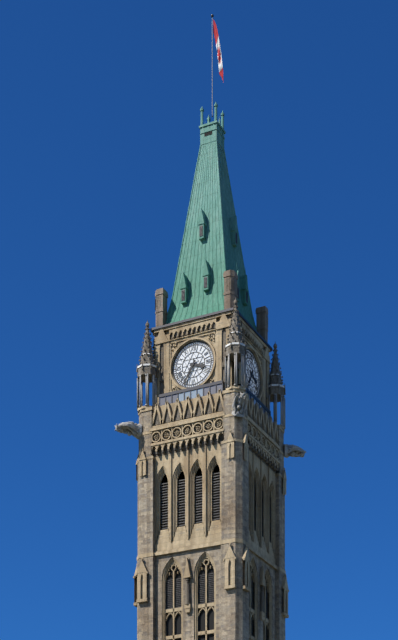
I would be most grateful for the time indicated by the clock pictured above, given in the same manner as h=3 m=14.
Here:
h=3 m=35
